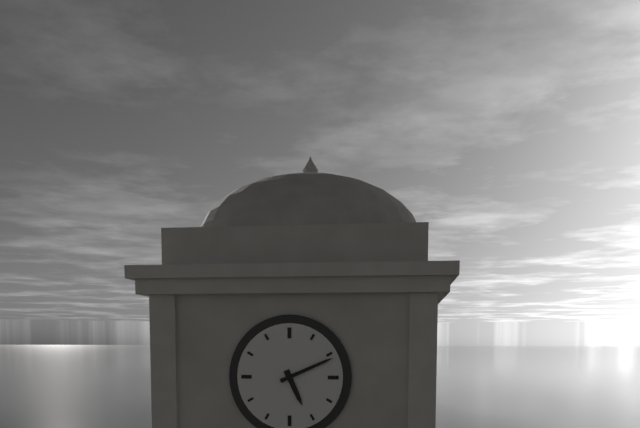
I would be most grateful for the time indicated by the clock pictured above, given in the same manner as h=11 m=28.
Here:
h=5 m=11
